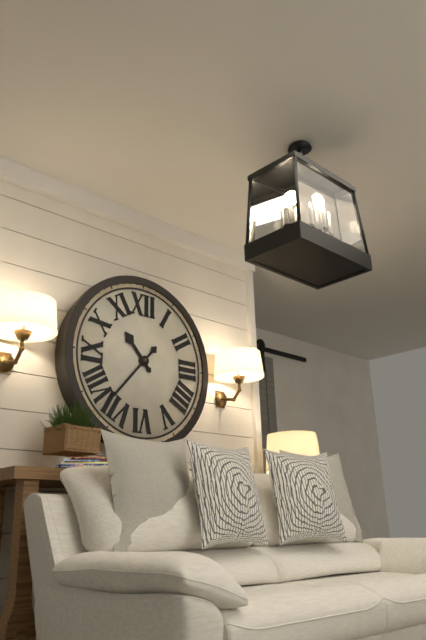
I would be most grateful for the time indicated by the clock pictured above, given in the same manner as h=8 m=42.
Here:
h=10 m=37
